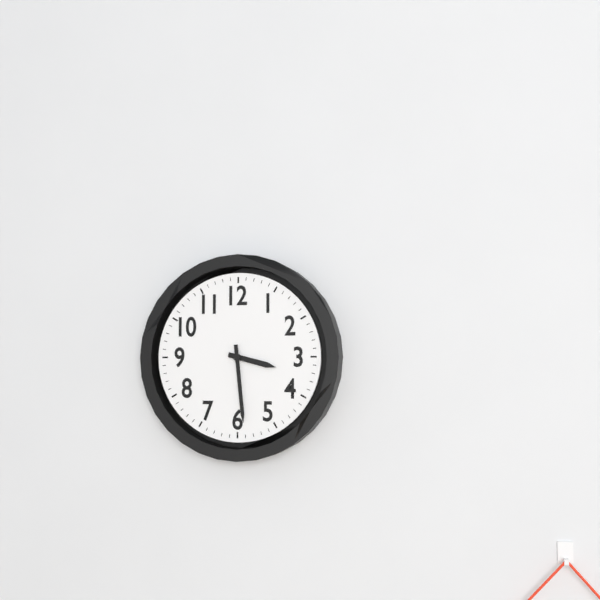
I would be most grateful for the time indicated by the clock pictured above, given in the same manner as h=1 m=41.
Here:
h=3 m=29
